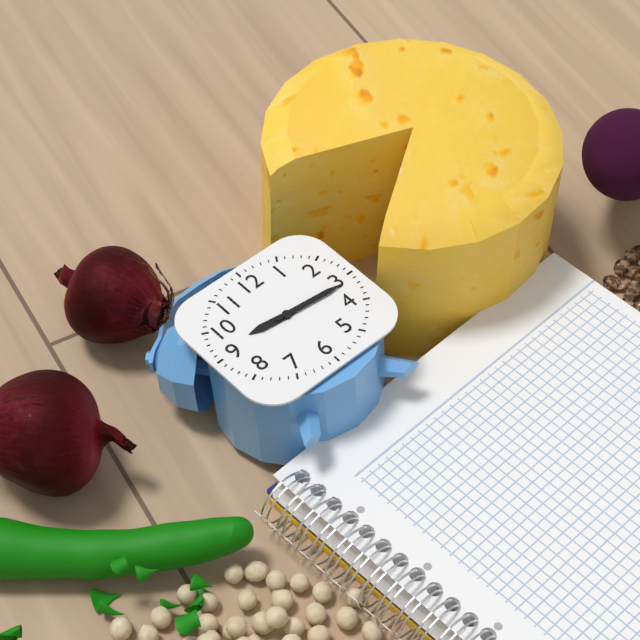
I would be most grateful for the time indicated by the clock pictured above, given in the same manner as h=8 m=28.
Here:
h=9 m=16
